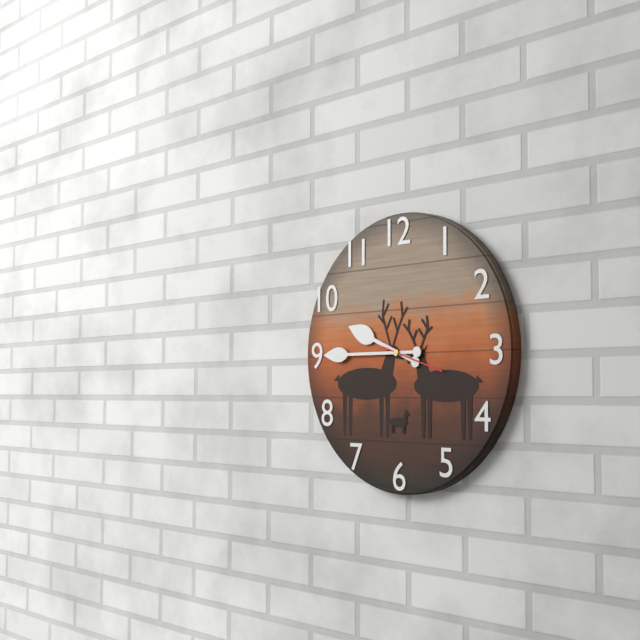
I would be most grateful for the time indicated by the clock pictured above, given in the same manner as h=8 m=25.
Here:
h=9 m=45
